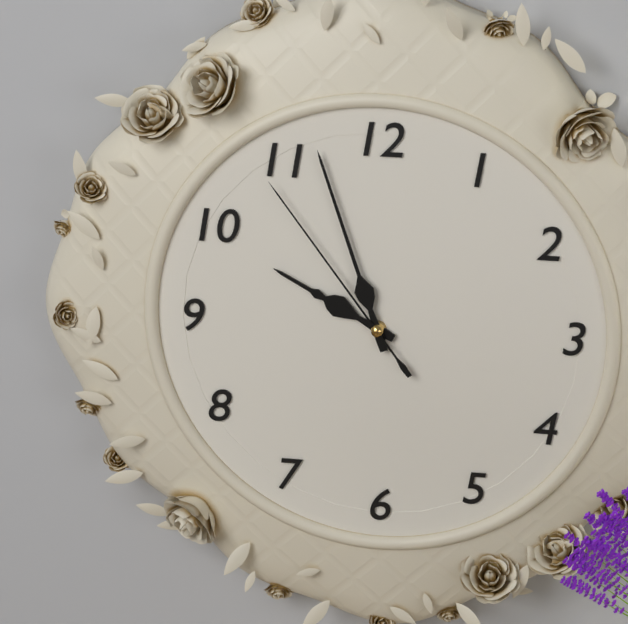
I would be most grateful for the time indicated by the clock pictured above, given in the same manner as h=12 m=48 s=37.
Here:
h=9 m=57 s=54
